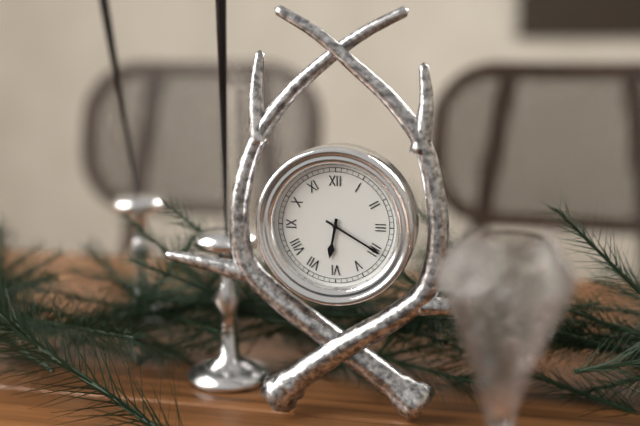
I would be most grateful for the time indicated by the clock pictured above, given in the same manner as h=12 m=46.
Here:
h=6 m=20
